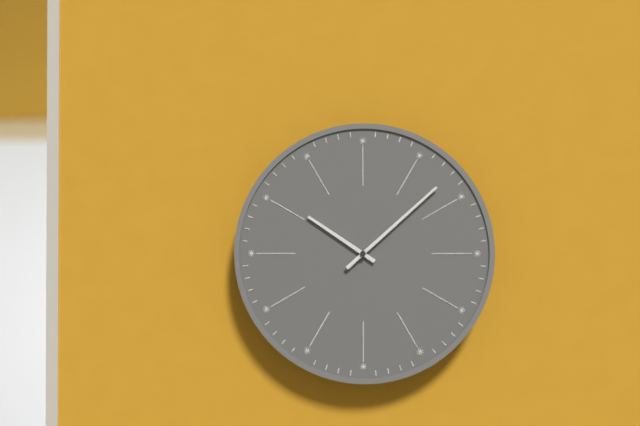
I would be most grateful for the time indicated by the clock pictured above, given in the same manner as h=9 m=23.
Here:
h=10 m=8
